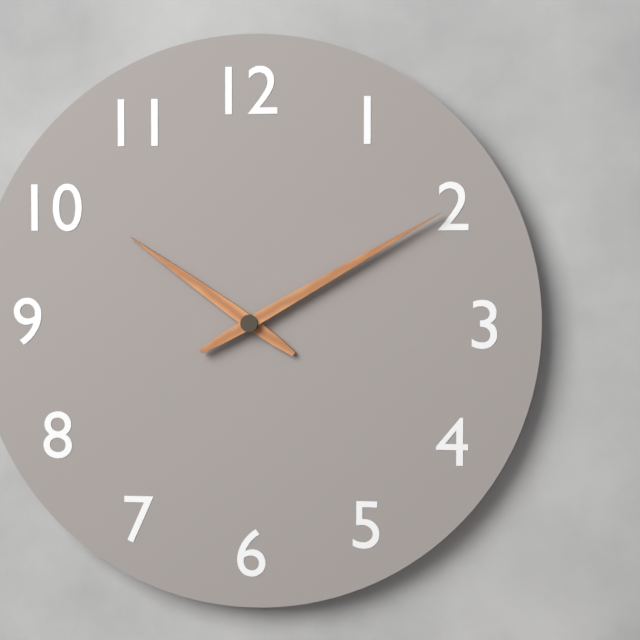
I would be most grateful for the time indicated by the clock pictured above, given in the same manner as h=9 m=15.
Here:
h=10 m=10
